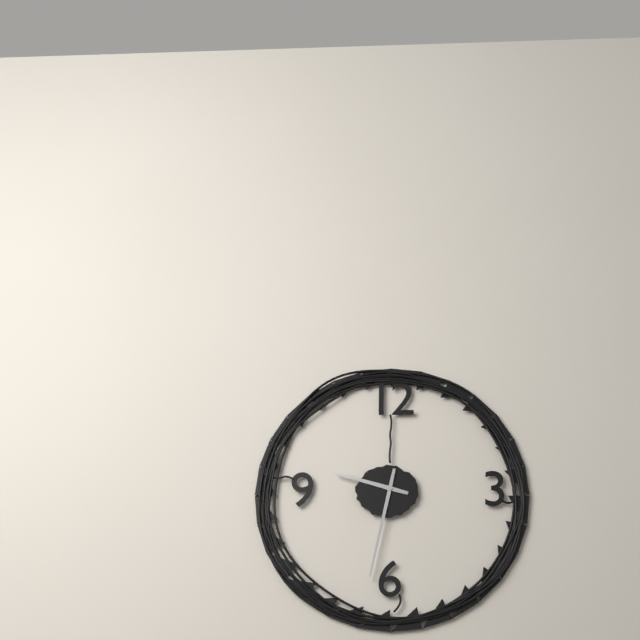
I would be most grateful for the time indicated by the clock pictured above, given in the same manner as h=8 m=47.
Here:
h=9 m=32
